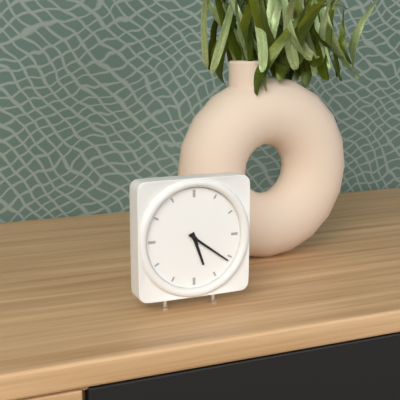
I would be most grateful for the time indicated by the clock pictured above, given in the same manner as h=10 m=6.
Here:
h=5 m=21
